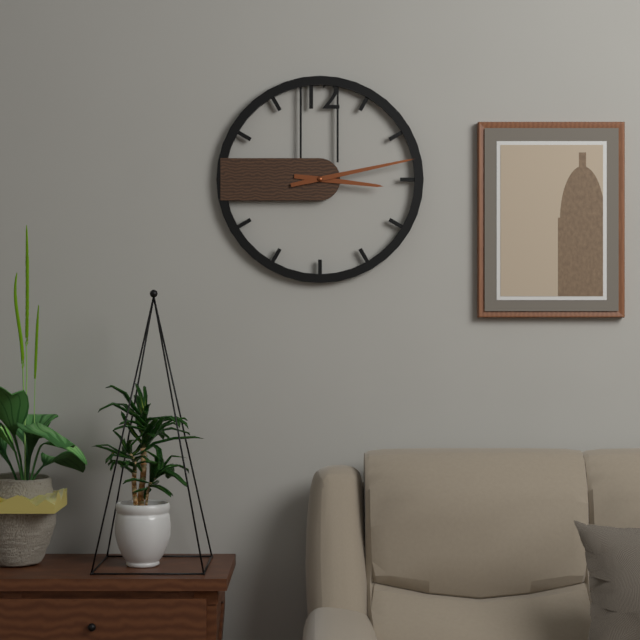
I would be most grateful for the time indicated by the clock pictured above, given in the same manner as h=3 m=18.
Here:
h=3 m=13
